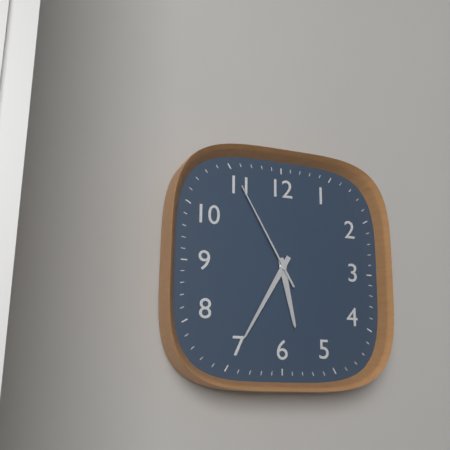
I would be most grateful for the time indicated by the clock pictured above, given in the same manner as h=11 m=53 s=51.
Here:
h=5 m=35 s=55
